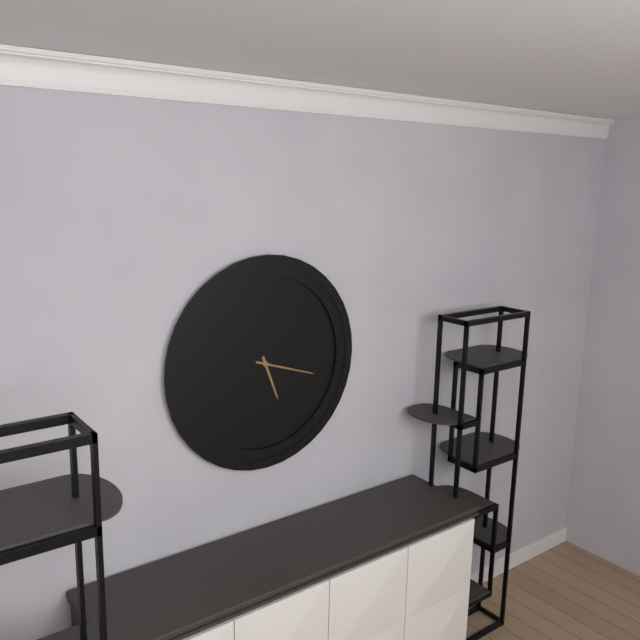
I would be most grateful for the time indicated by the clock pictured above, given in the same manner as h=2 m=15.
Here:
h=5 m=18
